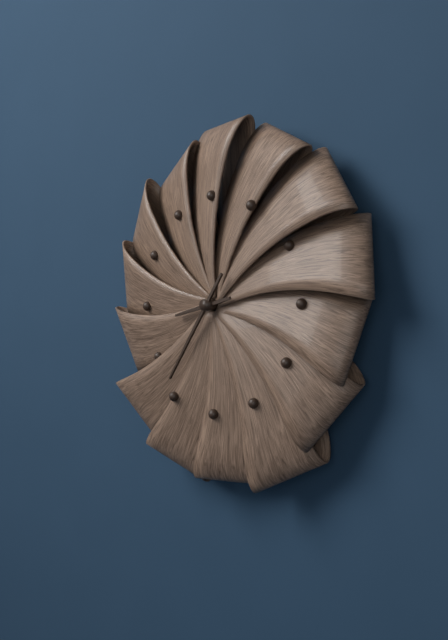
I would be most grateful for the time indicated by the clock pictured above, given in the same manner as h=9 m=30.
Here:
h=8 m=36
